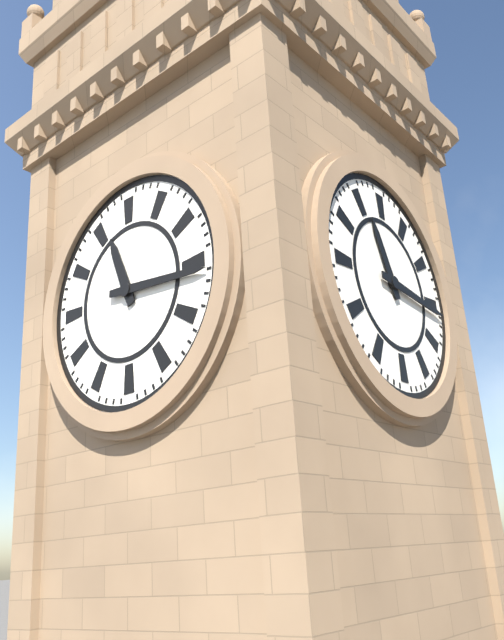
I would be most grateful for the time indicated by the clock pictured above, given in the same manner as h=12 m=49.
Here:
h=11 m=16
